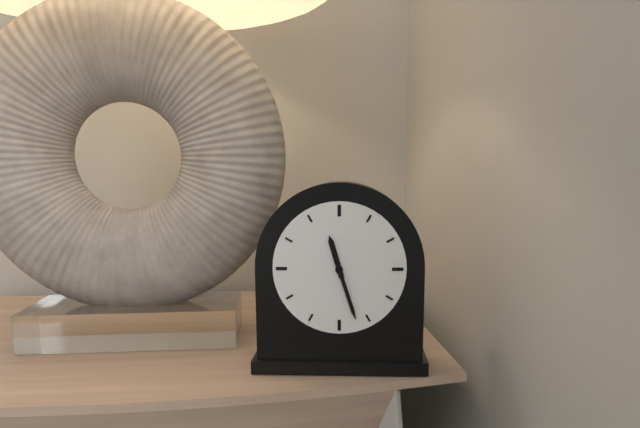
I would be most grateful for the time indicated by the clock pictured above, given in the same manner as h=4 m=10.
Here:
h=11 m=27
